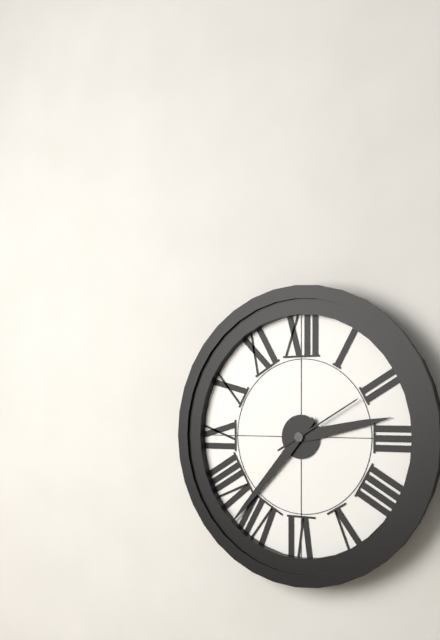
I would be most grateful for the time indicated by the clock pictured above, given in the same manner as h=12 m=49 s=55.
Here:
h=2 m=37 s=10
